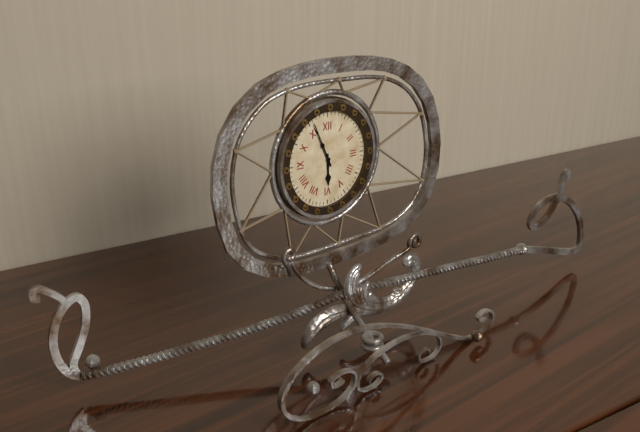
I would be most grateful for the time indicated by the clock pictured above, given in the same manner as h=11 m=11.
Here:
h=5 m=56
